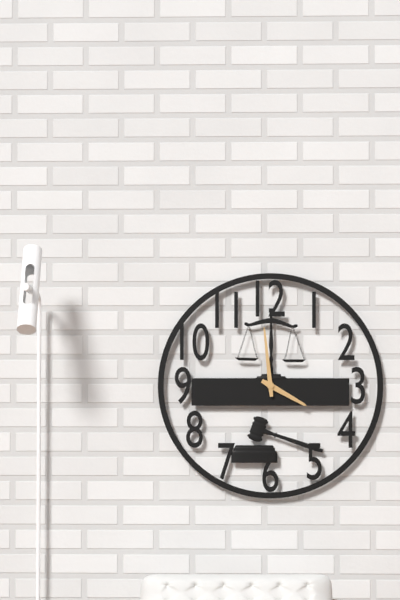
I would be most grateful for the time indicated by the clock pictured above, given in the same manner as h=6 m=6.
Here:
h=3 m=59
